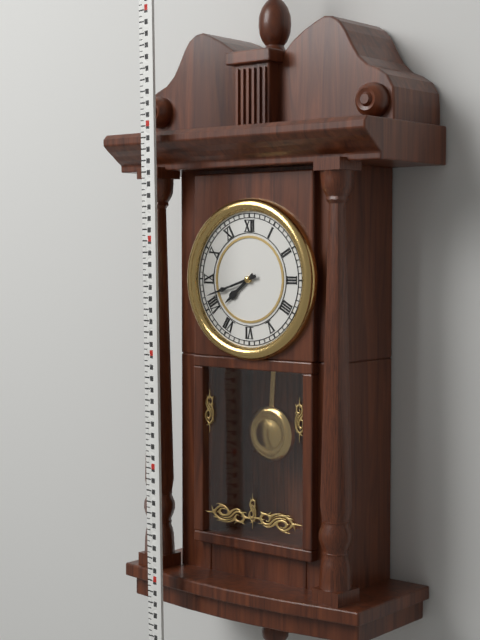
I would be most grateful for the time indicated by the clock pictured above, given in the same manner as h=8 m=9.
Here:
h=7 m=42
